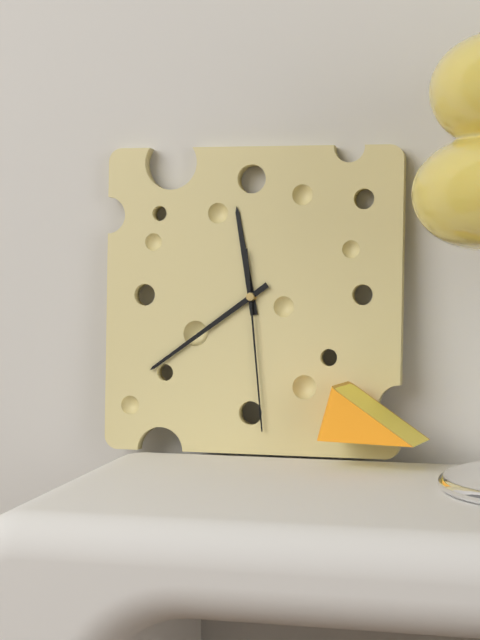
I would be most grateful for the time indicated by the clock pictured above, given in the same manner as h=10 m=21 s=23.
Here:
h=11 m=39 s=29
